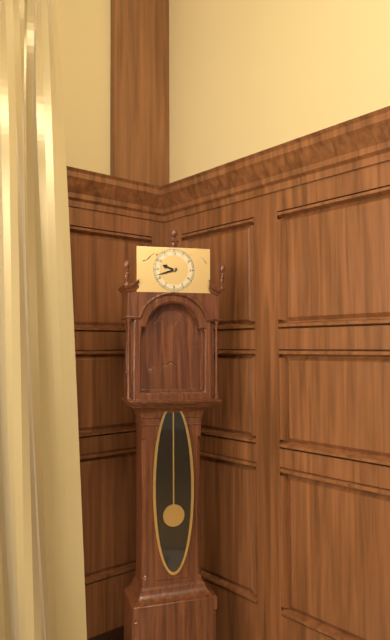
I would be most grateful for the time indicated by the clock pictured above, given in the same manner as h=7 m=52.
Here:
h=9 m=42
